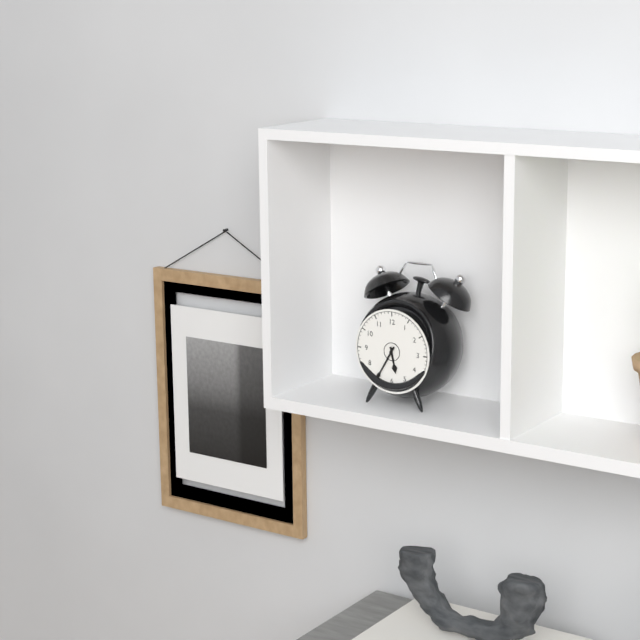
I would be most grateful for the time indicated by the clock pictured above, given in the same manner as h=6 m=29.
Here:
h=5 m=35
